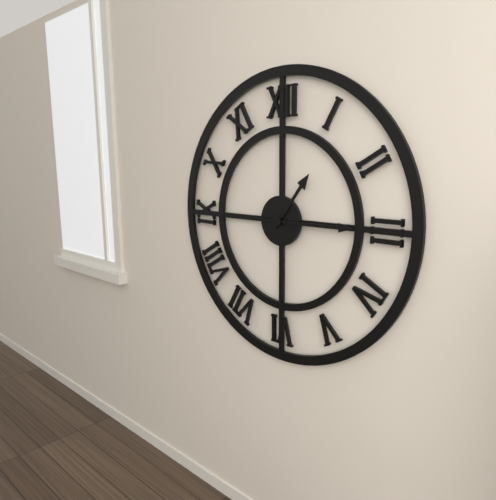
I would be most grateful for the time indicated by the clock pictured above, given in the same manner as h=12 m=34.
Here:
h=1 m=15
